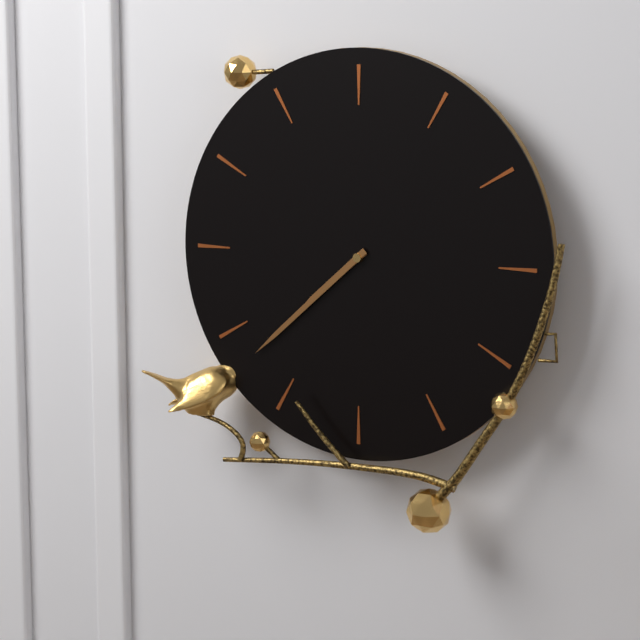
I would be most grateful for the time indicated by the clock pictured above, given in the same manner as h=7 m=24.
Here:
h=7 m=38
